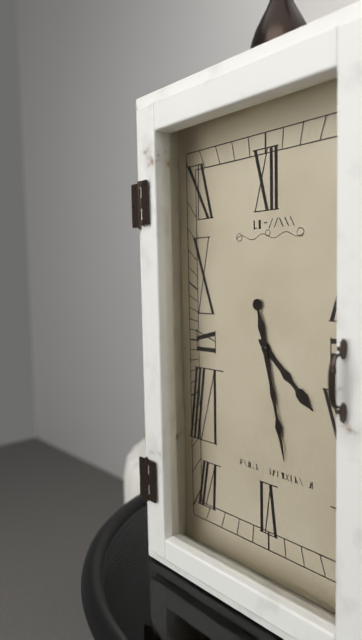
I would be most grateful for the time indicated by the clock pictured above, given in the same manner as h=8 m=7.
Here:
h=4 m=28
